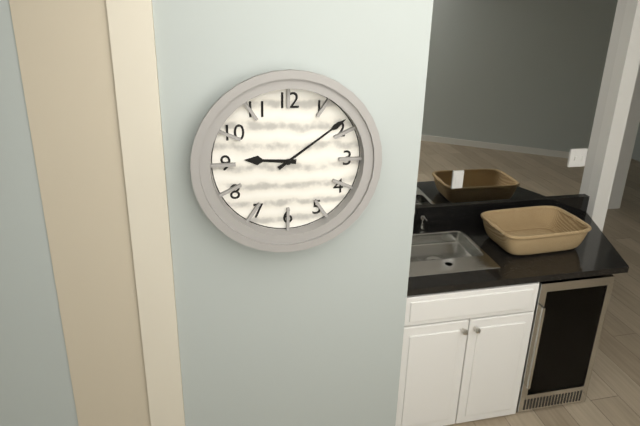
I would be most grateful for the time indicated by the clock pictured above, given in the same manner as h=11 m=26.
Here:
h=9 m=9
